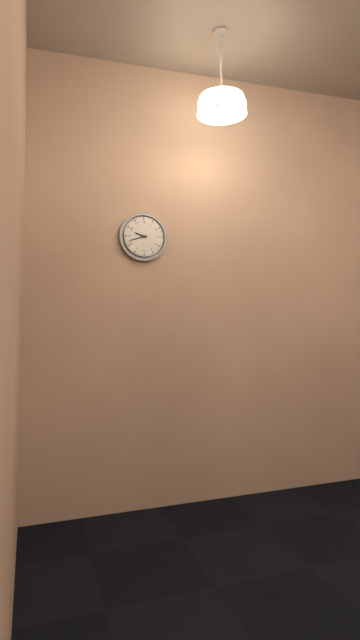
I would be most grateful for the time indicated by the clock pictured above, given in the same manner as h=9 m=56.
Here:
h=9 m=42
